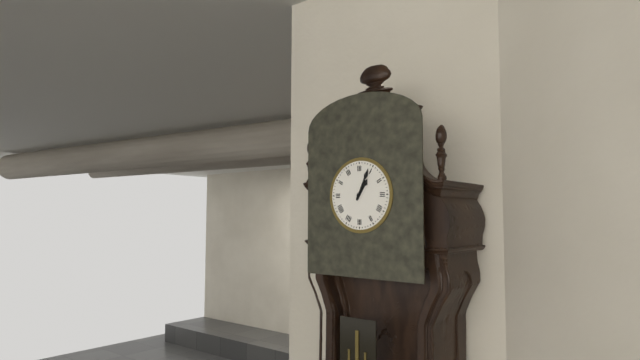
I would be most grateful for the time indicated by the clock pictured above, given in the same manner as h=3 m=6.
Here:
h=1 m=4
